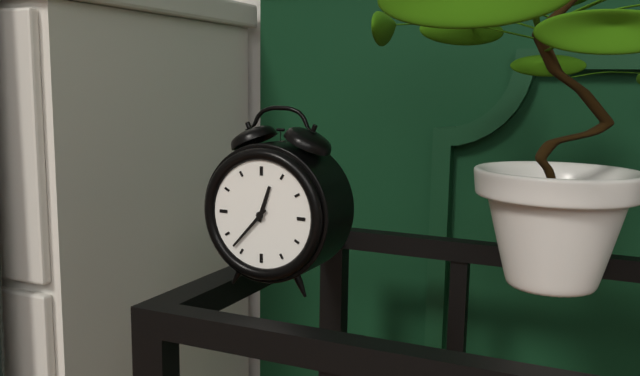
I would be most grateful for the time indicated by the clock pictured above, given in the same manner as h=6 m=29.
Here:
h=12 m=37
